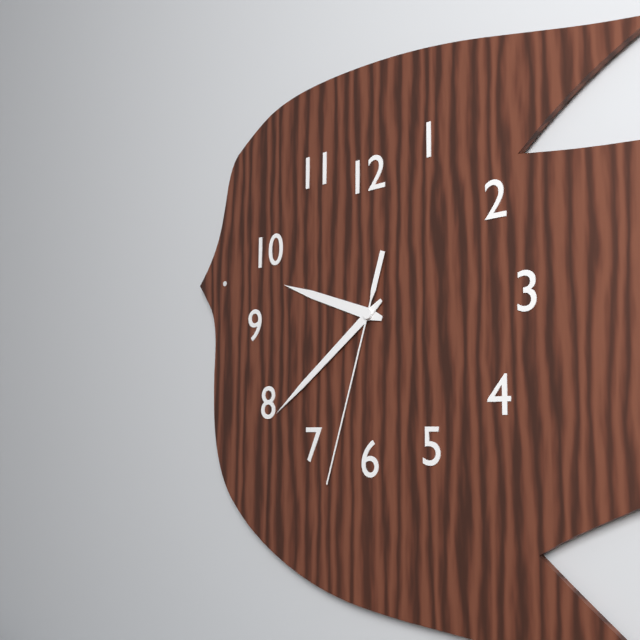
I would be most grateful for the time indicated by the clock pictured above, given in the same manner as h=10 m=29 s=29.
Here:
h=9 m=39 s=33
